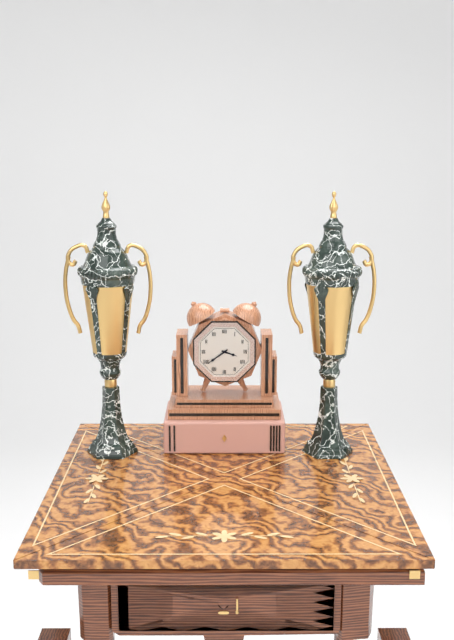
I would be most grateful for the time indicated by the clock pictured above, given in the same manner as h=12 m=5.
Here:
h=3 m=39
